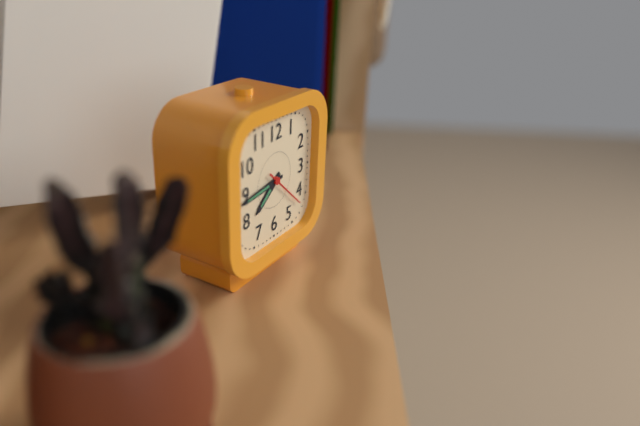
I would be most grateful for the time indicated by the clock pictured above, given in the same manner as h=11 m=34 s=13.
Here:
h=7 m=44 s=22
